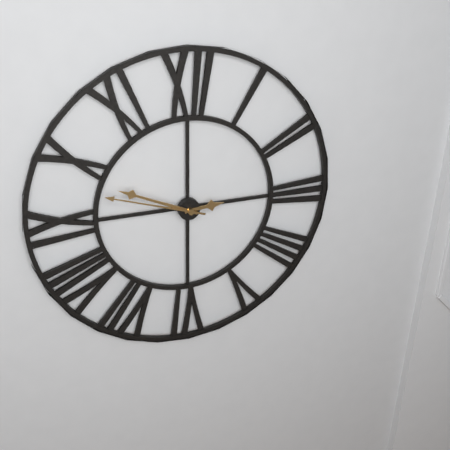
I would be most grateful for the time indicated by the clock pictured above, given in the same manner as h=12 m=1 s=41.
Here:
h=2 m=49 s=48
